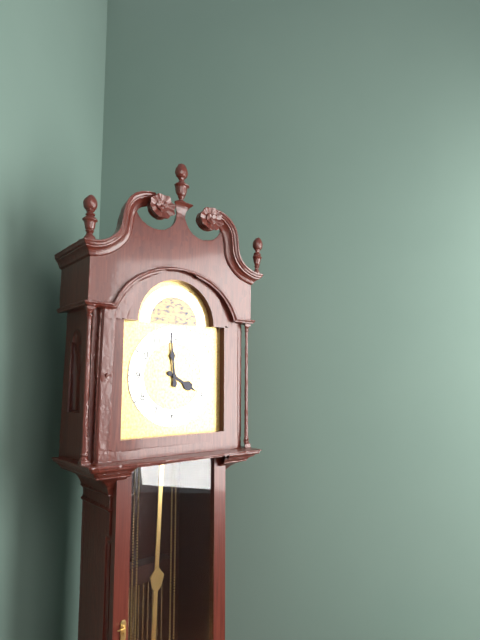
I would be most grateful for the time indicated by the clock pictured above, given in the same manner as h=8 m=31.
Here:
h=3 m=59
